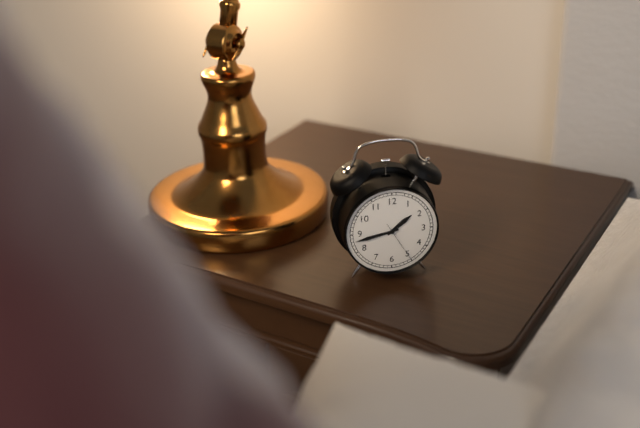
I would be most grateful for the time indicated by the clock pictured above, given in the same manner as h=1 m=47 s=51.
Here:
h=1 m=43 s=25
